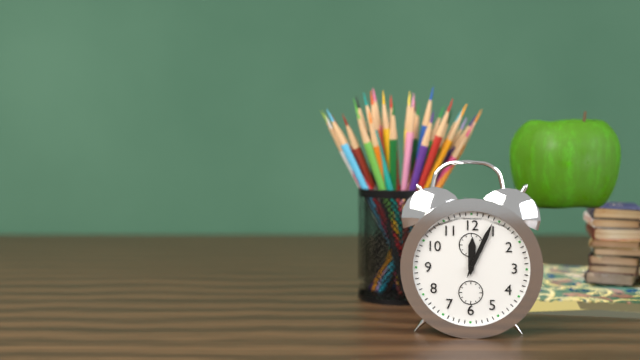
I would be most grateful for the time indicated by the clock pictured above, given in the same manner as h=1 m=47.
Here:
h=12 m=4
